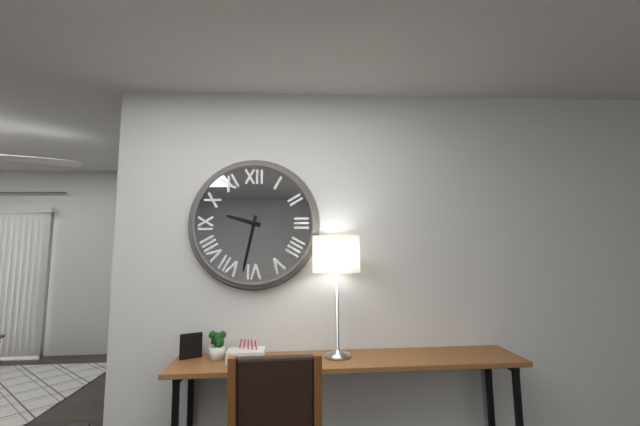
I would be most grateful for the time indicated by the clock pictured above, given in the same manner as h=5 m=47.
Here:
h=9 m=32
